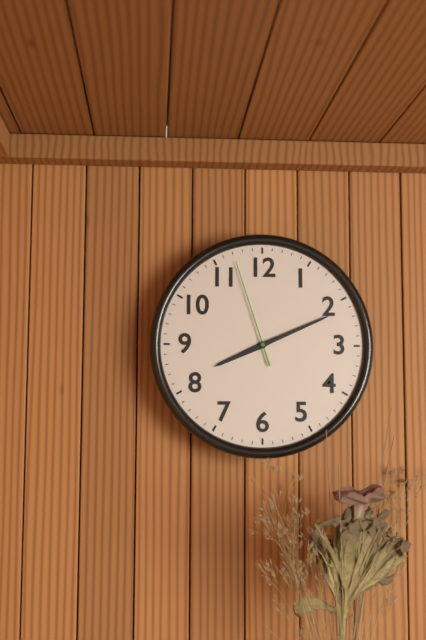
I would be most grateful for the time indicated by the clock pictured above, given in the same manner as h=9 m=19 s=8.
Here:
h=8 m=11 s=57
